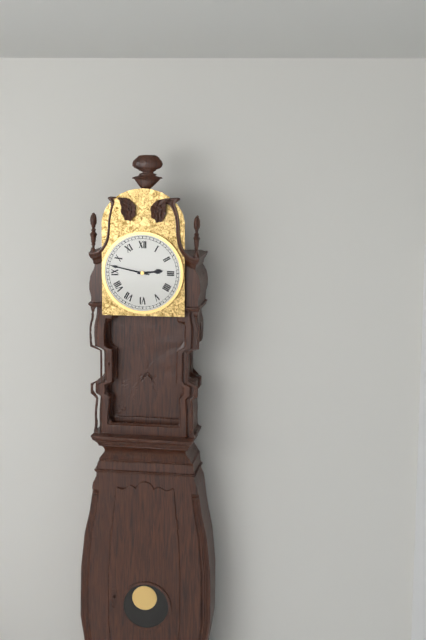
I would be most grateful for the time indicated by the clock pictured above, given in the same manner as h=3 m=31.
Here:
h=2 m=47
